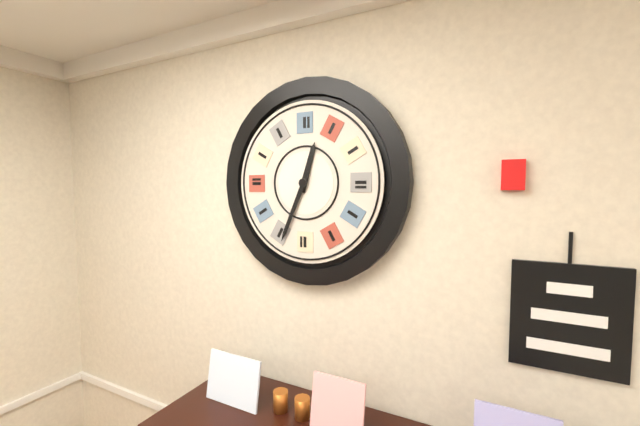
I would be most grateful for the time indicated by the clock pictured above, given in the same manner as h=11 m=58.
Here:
h=12 m=34
